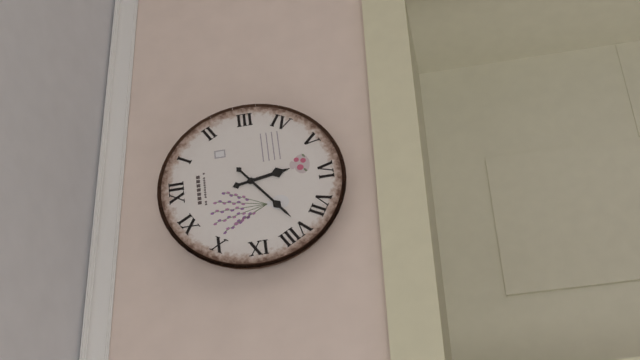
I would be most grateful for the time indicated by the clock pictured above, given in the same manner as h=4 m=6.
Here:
h=5 m=39
